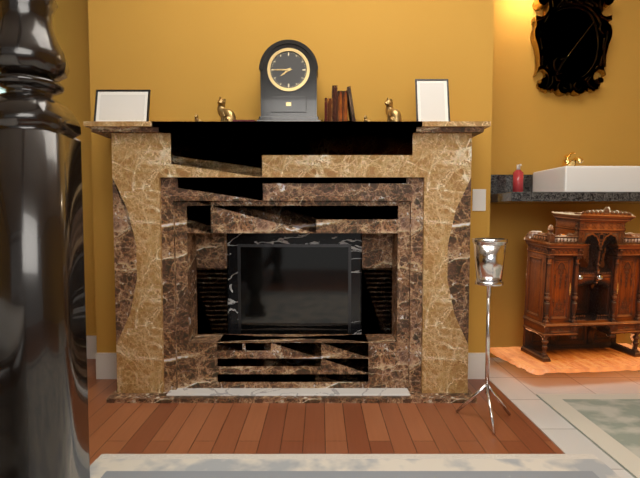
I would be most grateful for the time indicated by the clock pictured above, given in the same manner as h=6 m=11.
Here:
h=7 m=45
